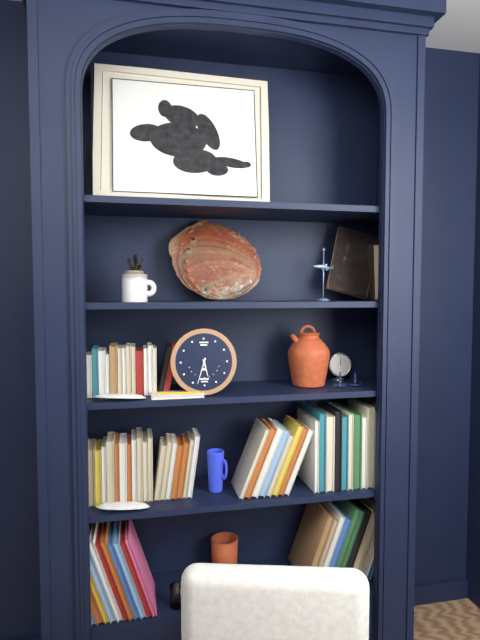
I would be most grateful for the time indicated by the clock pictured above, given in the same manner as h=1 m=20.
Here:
h=5 m=33
